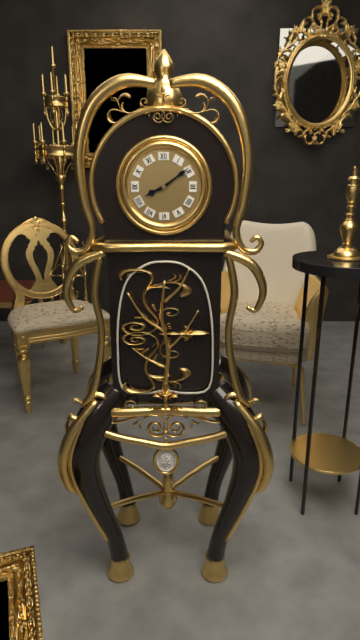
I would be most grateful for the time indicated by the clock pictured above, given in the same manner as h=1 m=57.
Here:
h=8 m=9
